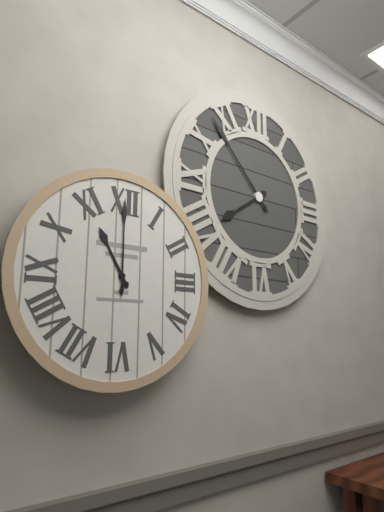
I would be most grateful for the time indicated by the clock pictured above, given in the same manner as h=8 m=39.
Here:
h=11 m=0
